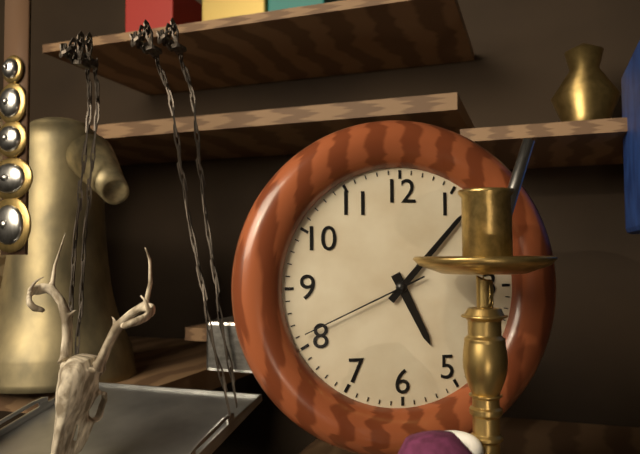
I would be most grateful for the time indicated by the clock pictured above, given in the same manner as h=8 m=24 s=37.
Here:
h=5 m=7 s=41
